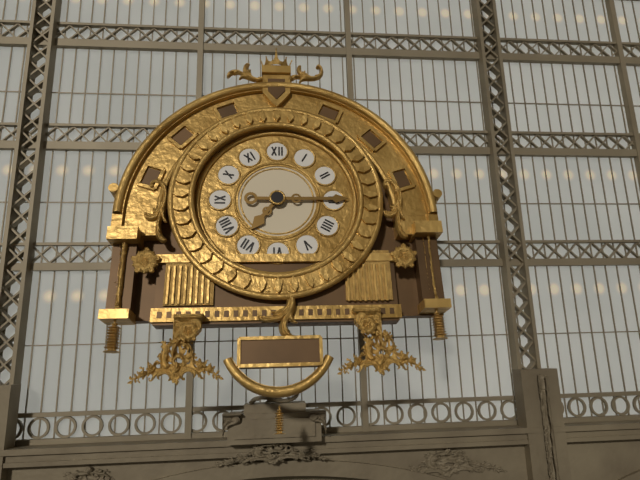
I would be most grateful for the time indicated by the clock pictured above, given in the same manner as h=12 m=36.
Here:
h=7 m=15
